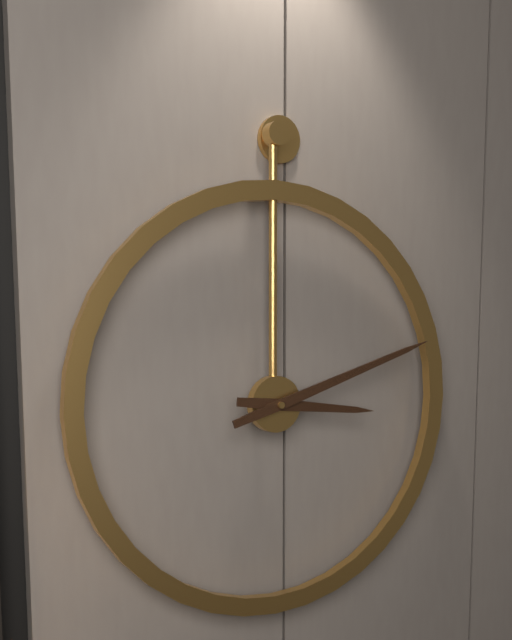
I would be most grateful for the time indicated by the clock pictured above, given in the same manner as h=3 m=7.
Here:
h=3 m=12
